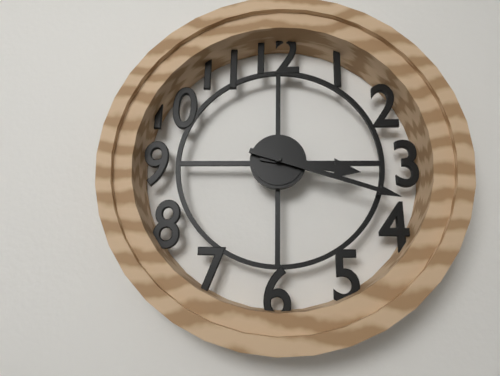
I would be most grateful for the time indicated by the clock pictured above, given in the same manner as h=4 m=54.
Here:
h=3 m=18
